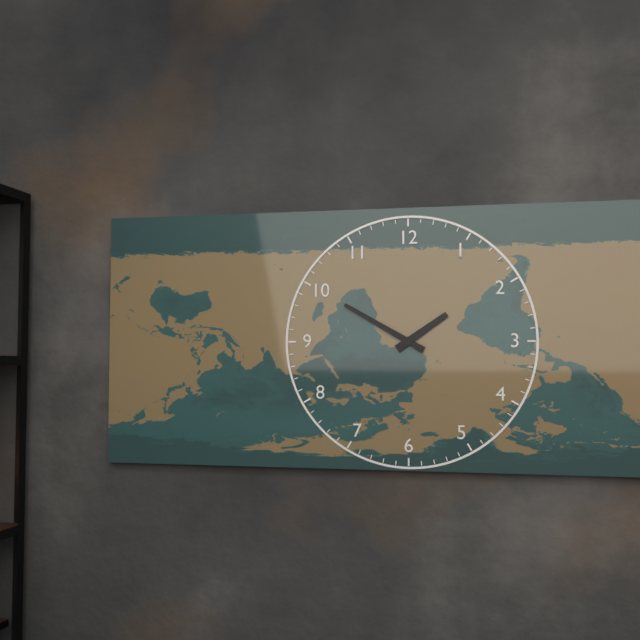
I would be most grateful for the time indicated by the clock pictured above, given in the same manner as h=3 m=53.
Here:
h=1 m=50
